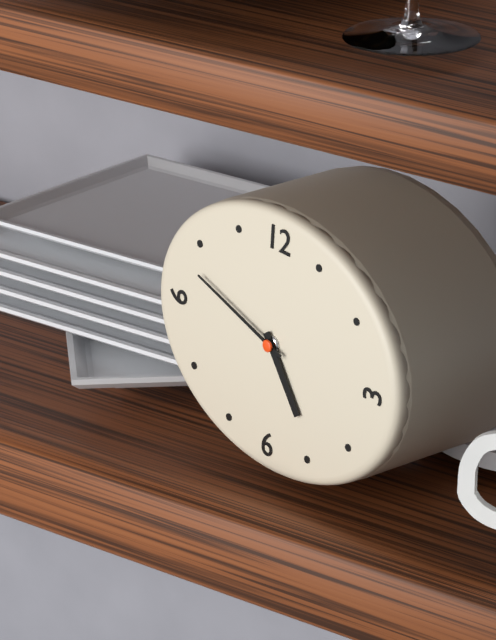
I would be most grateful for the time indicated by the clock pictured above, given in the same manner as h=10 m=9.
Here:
h=4 m=48
